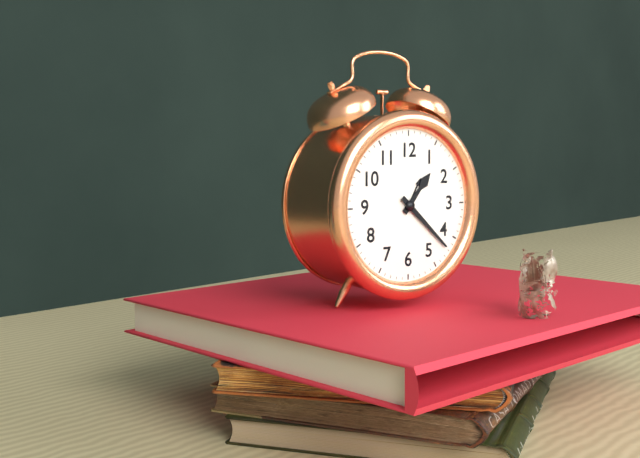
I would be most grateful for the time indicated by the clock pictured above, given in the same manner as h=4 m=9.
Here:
h=1 m=22
